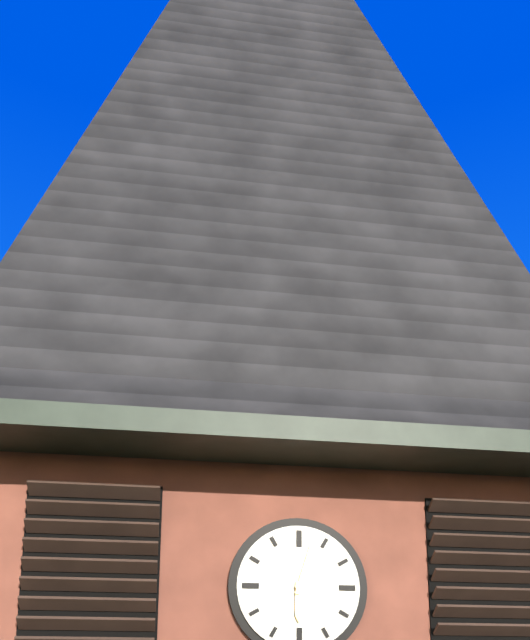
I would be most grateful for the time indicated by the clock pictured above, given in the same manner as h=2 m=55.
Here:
h=6 m=3
